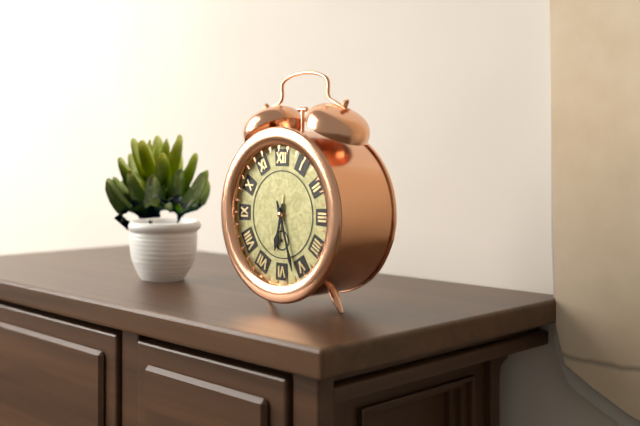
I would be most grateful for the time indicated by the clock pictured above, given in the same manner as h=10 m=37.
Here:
h=6 m=27
